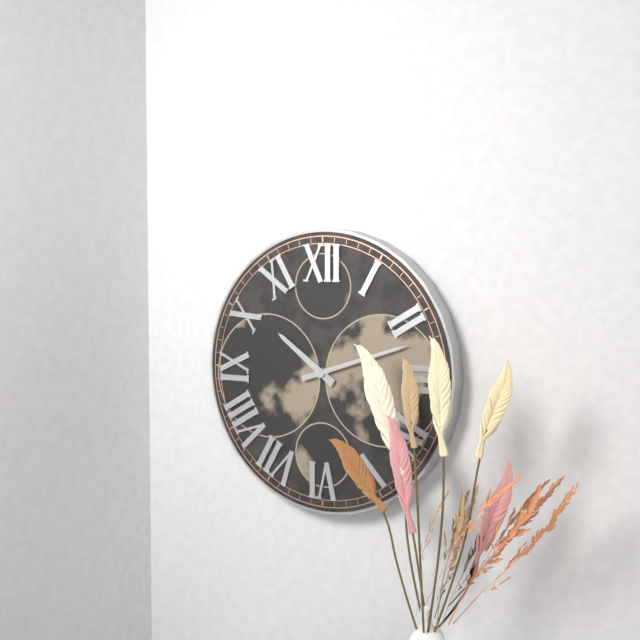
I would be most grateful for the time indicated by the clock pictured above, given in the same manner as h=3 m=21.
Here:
h=10 m=12
